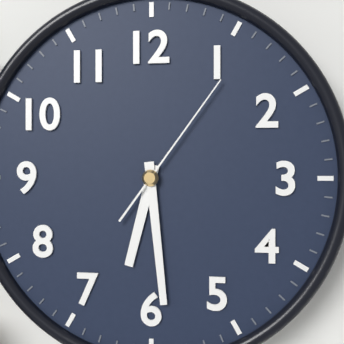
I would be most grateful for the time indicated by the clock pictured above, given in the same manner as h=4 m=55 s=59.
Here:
h=6 m=29 s=6
